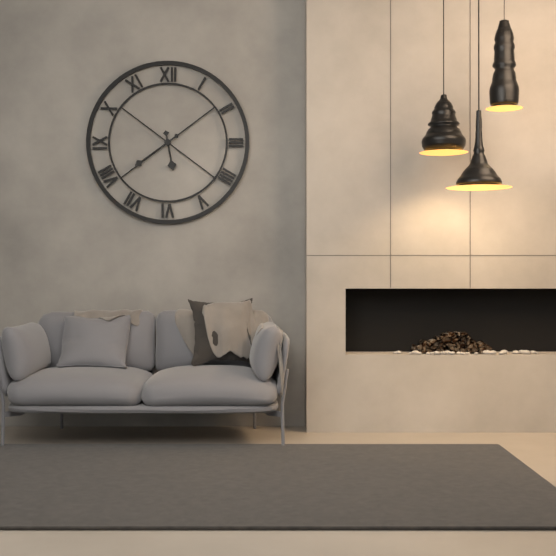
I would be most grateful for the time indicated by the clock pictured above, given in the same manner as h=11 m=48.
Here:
h=5 m=39
